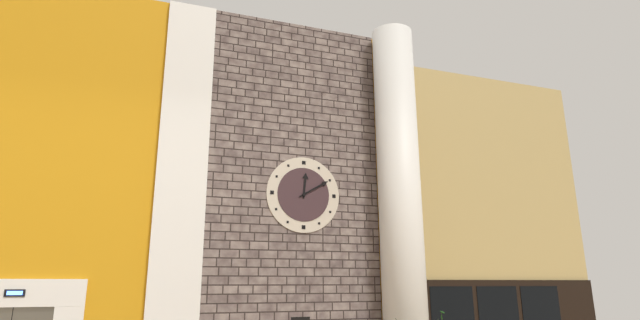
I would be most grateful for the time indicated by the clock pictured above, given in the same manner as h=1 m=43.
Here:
h=12 m=10
